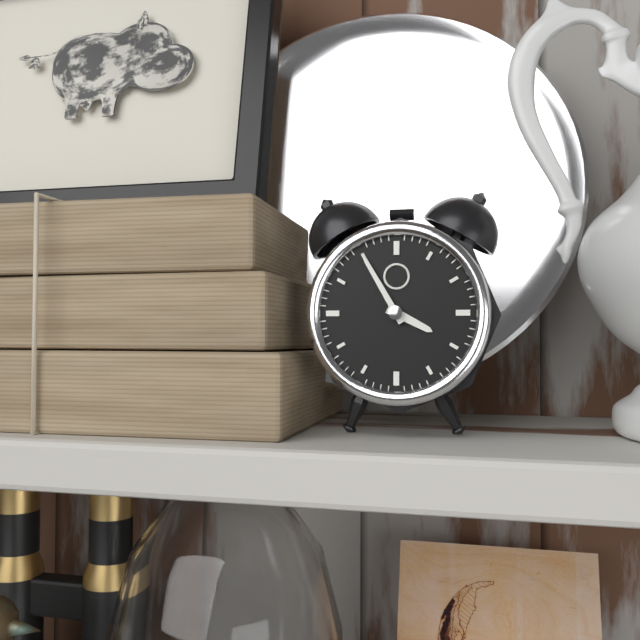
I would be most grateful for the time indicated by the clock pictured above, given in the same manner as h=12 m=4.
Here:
h=3 m=55
